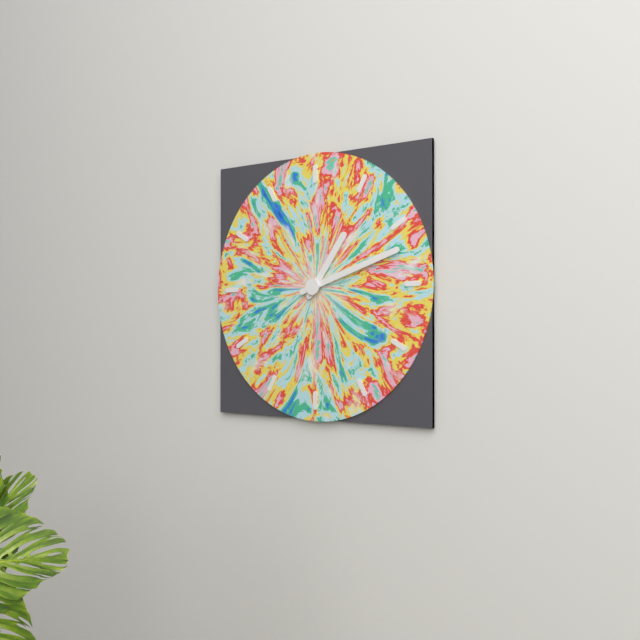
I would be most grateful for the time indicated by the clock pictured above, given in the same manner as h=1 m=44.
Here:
h=1 m=12
